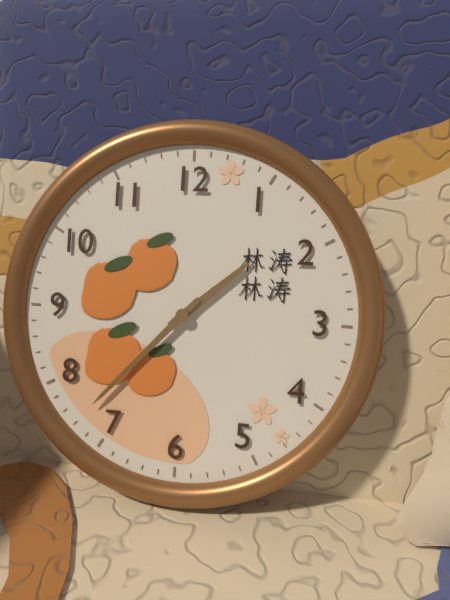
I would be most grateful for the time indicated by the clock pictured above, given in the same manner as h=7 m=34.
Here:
h=1 m=37
